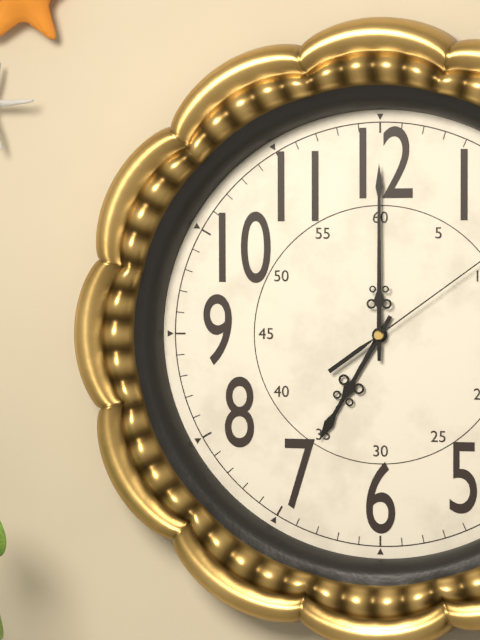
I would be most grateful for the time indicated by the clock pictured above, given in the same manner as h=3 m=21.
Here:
h=7 m=0
